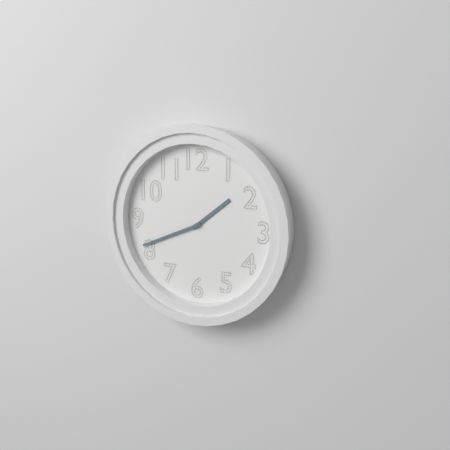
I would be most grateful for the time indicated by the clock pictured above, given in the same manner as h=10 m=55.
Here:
h=1 m=41
